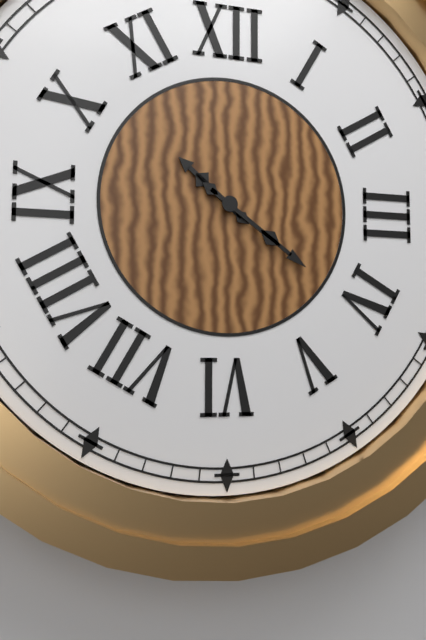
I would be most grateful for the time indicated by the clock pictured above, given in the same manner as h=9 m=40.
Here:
h=10 m=21
